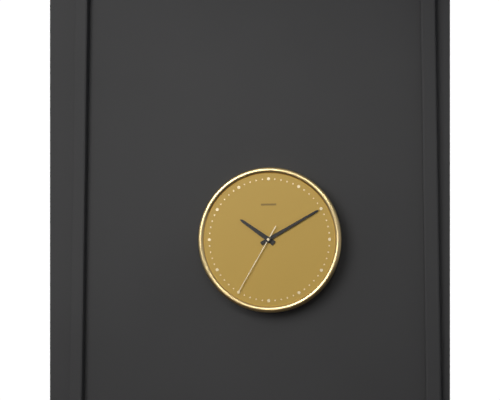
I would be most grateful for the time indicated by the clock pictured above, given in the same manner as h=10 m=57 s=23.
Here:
h=10 m=10 s=35
